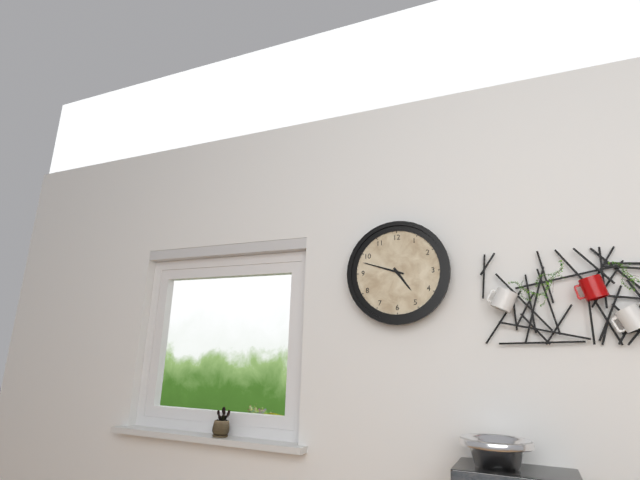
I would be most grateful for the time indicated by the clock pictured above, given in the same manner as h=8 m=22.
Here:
h=4 m=48
